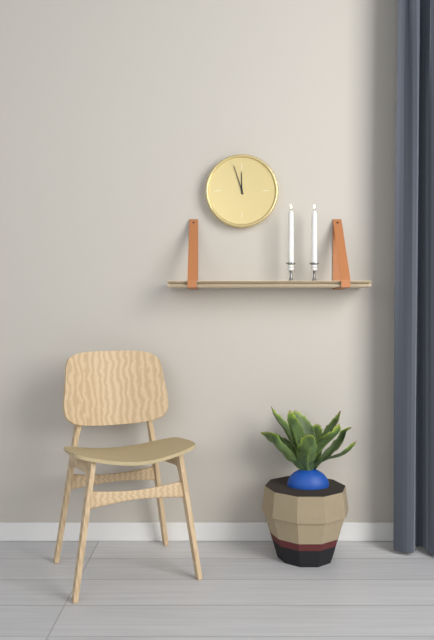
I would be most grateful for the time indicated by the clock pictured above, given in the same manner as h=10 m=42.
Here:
h=11 m=57
